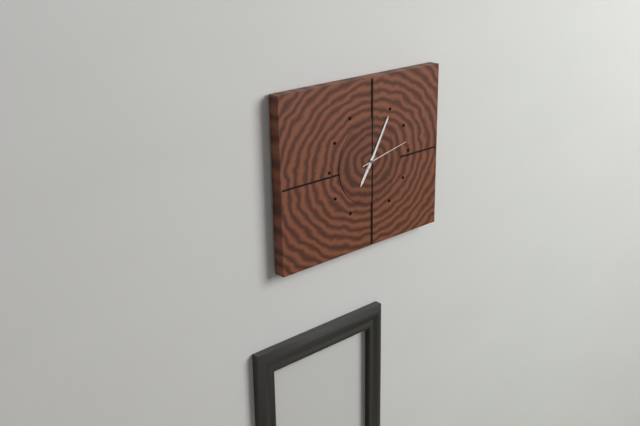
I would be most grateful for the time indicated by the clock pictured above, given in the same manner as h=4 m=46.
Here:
h=7 m=5
